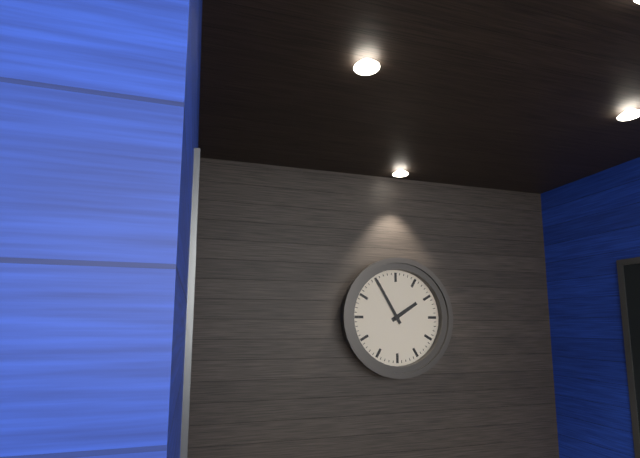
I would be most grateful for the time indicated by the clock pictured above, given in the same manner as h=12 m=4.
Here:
h=1 m=55
